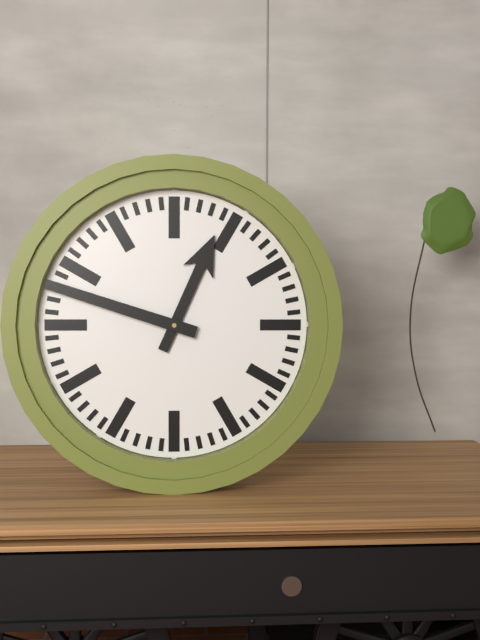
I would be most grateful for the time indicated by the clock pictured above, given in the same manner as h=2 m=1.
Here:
h=12 m=48
